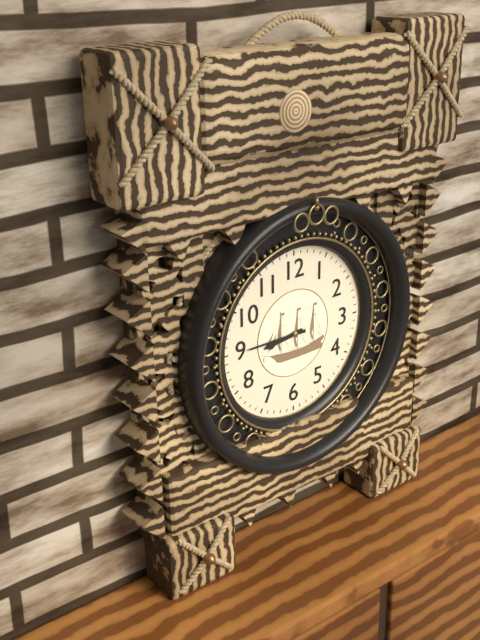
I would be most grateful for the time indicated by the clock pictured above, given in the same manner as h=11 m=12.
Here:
h=8 m=45
